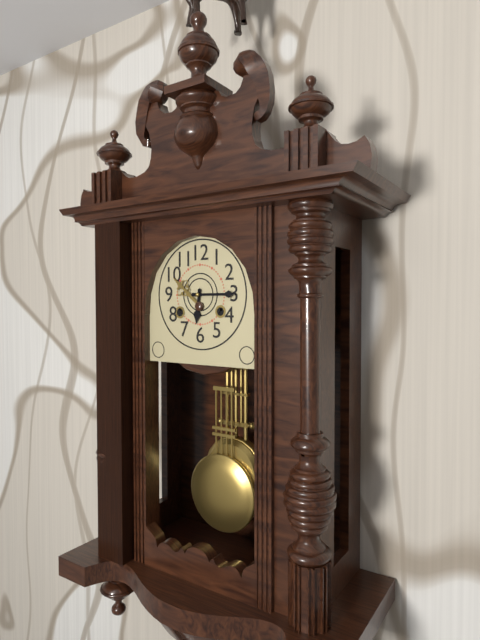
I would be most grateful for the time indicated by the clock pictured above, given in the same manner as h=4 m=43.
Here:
h=6 m=15
